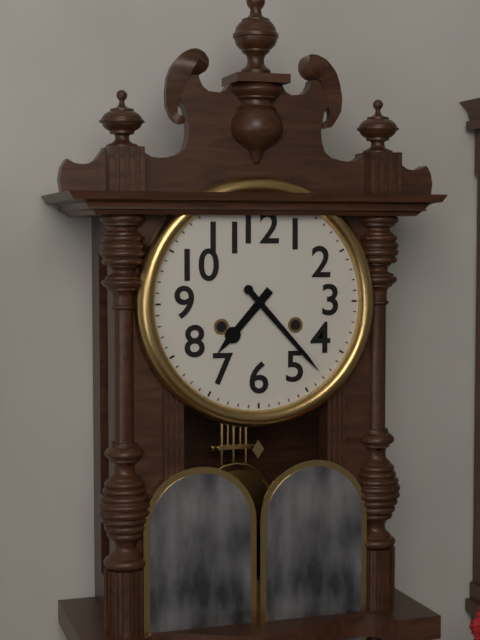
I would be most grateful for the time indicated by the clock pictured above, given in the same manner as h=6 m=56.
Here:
h=7 m=23
